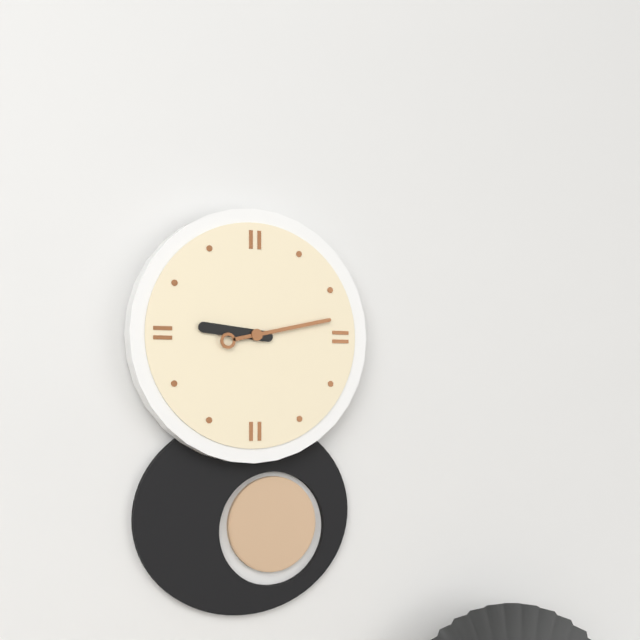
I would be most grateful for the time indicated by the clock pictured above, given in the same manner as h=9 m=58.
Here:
h=9 m=13
